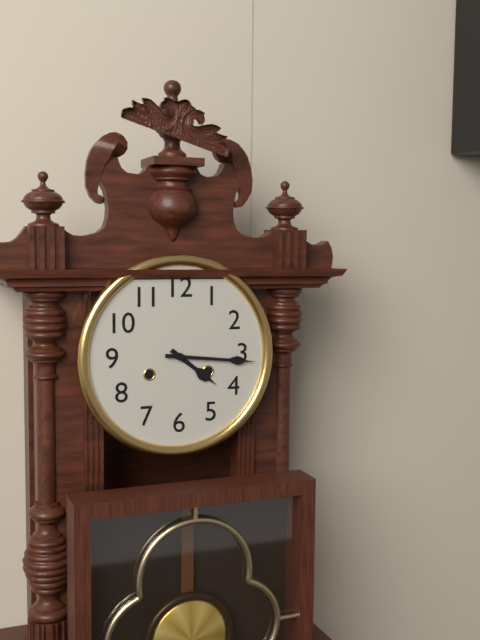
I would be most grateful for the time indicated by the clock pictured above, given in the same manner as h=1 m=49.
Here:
h=4 m=16
